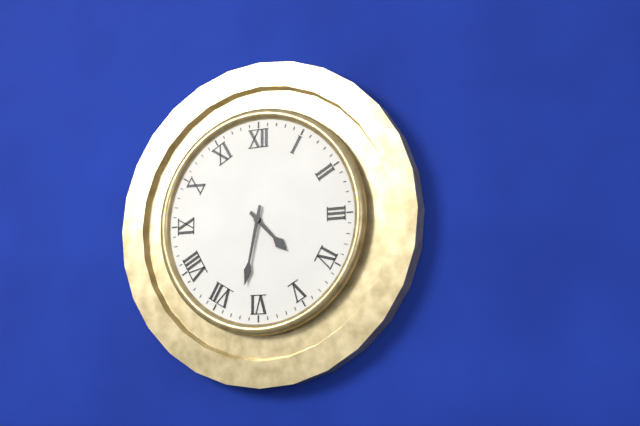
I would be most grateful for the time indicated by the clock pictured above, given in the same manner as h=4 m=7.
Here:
h=4 m=32
